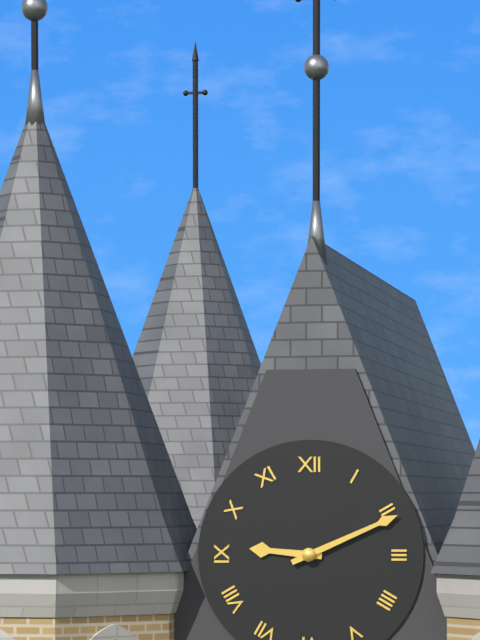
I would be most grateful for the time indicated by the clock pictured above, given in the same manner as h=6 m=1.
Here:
h=9 m=11
